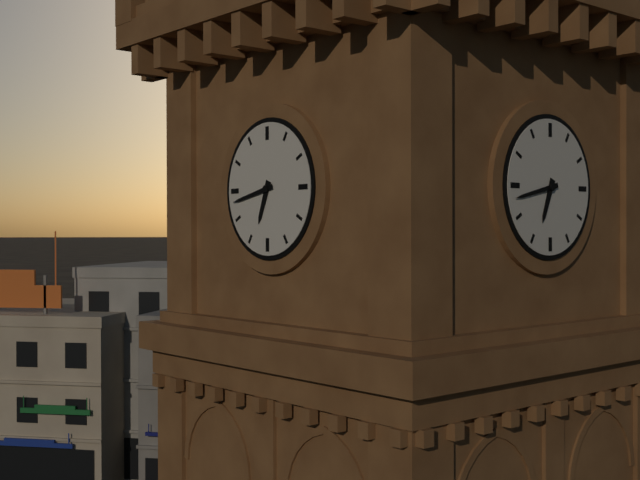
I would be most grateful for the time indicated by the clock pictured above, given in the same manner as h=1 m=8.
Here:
h=6 m=43
